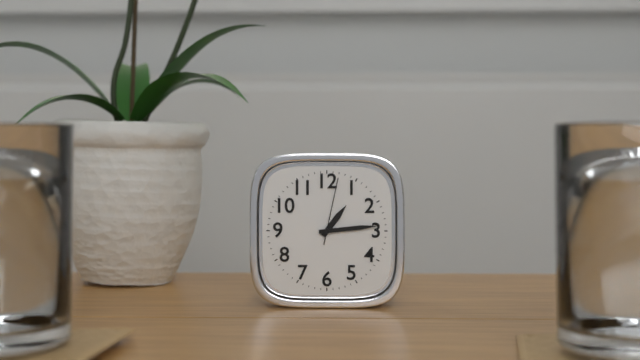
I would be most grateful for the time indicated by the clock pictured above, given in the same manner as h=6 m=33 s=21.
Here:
h=1 m=14 s=2
